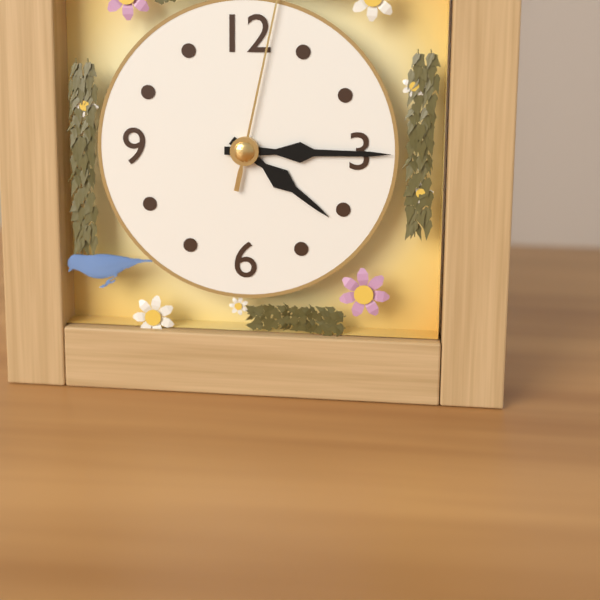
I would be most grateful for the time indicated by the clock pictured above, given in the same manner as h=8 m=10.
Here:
h=4 m=15
